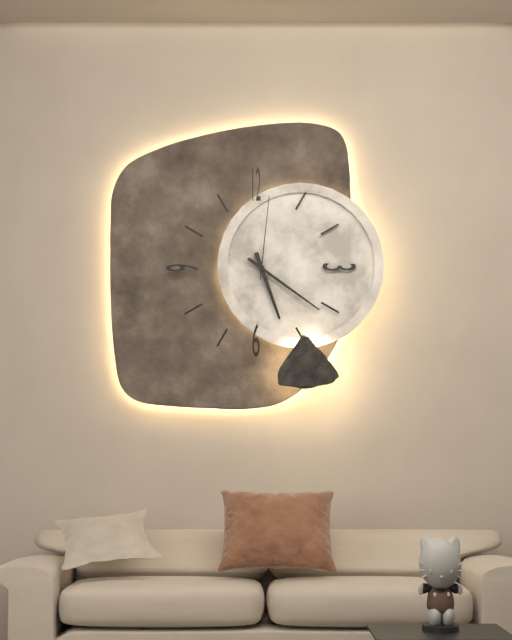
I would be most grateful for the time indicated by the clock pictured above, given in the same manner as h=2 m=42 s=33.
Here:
h=5 m=21 s=1
